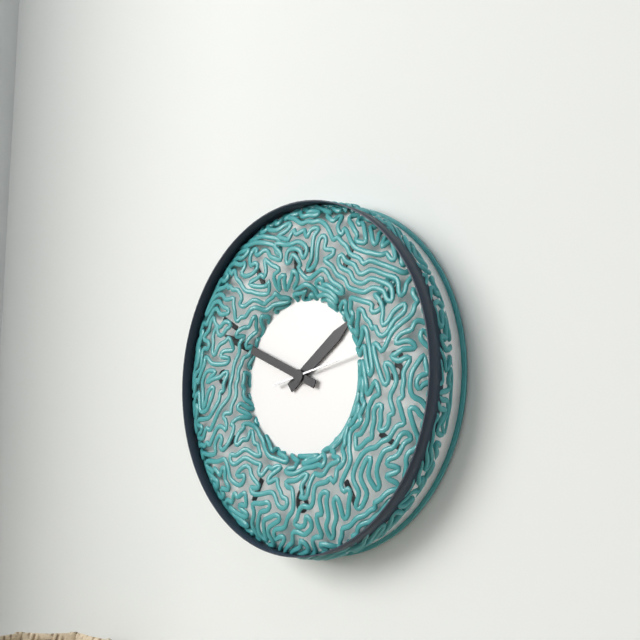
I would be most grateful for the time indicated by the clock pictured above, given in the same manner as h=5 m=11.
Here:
h=1 m=49
